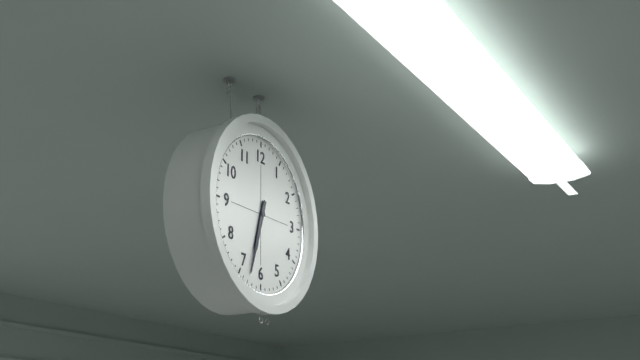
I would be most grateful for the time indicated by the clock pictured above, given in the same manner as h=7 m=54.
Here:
h=6 m=33
